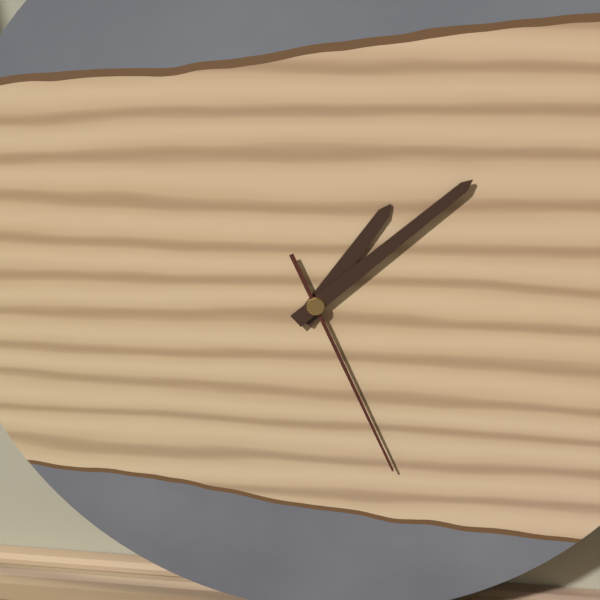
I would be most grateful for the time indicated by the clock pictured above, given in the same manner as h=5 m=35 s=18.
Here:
h=1 m=8 s=26
